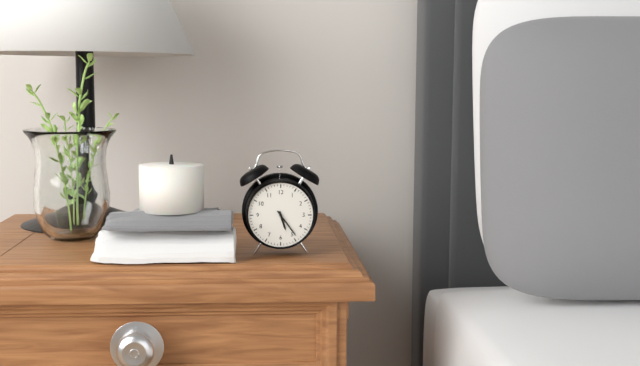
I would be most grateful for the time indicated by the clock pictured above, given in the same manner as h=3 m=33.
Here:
h=5 m=24
